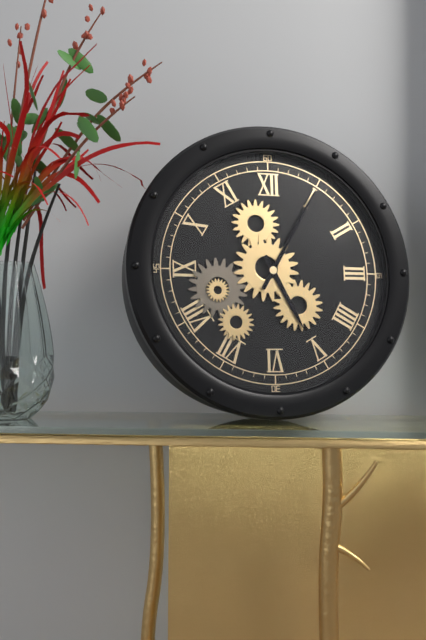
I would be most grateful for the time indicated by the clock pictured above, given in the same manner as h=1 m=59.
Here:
h=5 m=5
